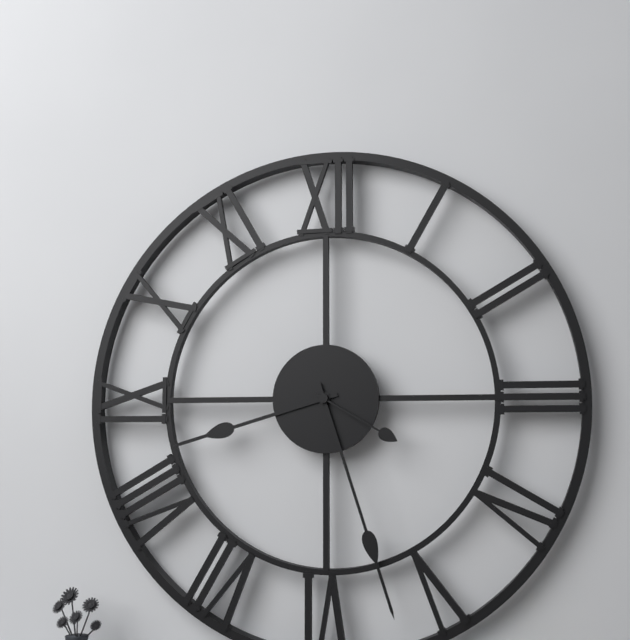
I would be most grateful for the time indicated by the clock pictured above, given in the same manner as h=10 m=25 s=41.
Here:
h=8 m=27 s=20
